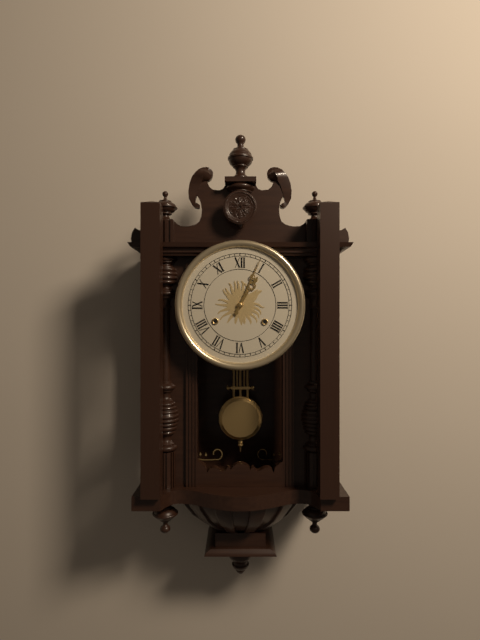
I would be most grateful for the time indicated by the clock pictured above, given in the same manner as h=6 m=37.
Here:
h=1 m=4
